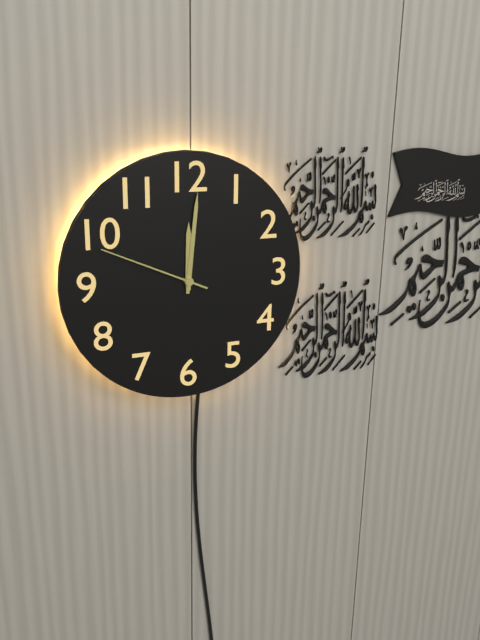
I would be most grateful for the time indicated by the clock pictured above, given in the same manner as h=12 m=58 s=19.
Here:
h=12 m=1 s=49
